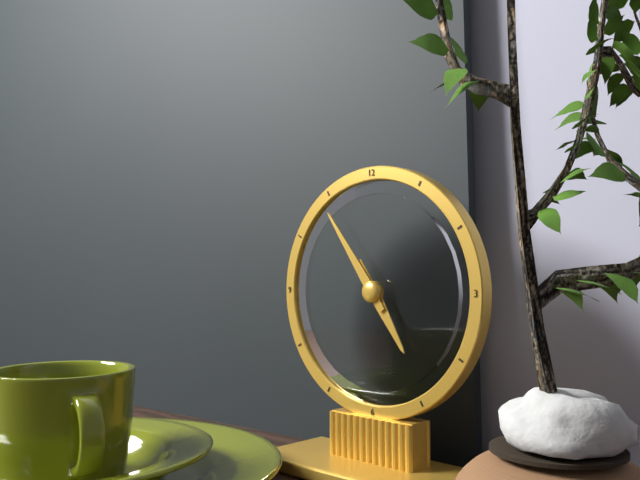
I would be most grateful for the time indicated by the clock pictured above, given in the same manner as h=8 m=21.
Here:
h=4 m=54
